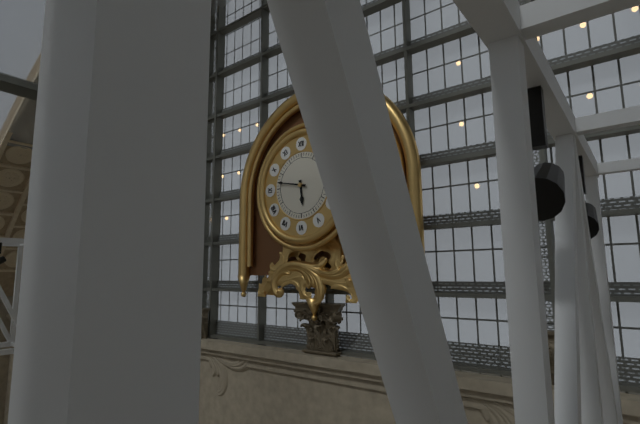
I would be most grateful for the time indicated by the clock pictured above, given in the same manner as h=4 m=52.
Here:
h=5 m=47
